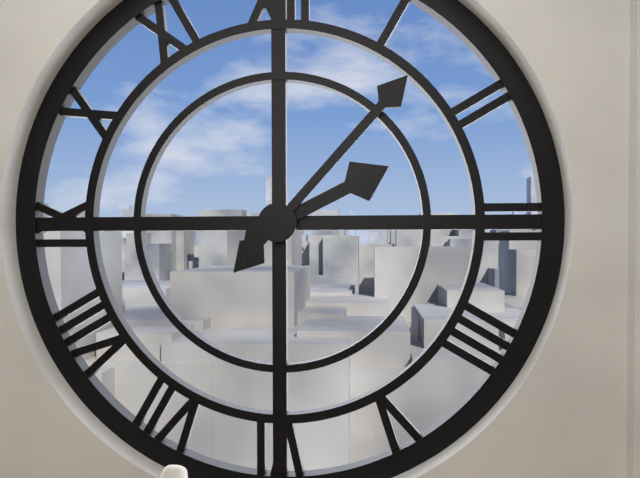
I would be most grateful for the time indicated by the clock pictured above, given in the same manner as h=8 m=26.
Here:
h=2 m=7
